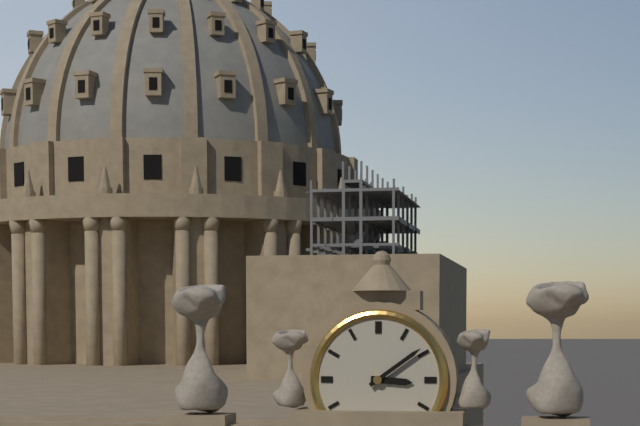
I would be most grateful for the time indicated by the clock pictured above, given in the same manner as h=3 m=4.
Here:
h=3 m=9
